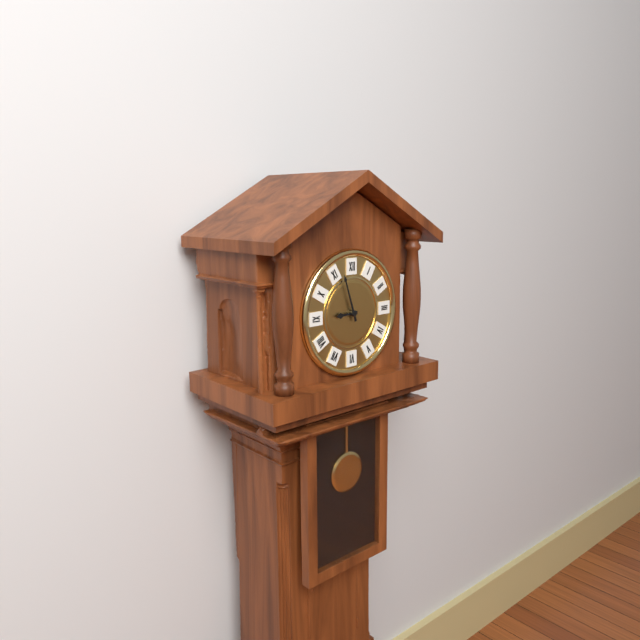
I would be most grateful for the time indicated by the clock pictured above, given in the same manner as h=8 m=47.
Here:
h=8 m=57
